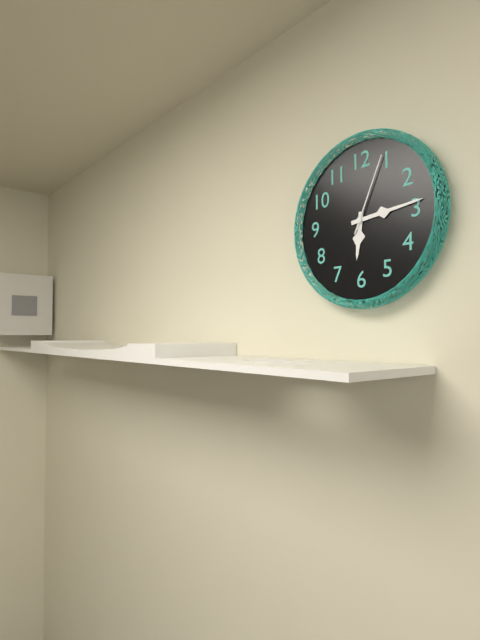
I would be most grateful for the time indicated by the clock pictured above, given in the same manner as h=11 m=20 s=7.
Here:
h=6 m=14 s=4
